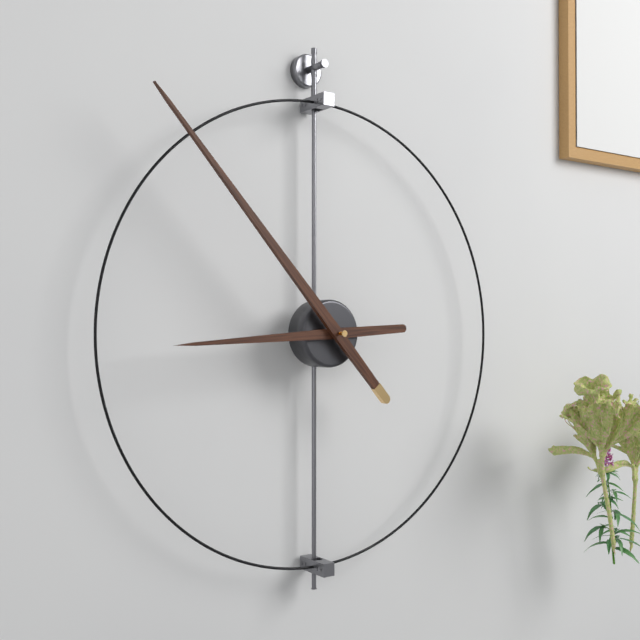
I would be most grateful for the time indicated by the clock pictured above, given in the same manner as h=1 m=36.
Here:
h=8 m=53
